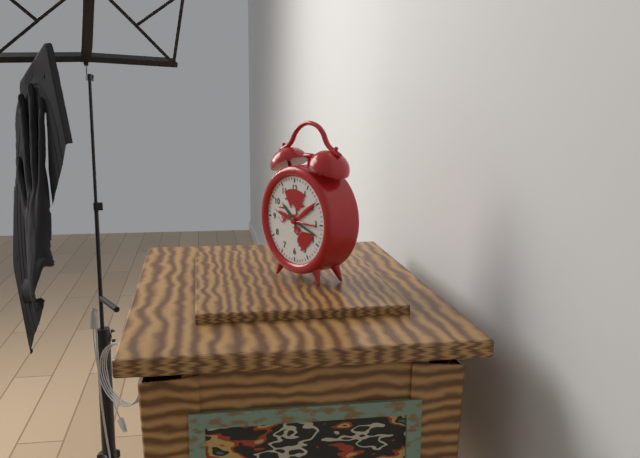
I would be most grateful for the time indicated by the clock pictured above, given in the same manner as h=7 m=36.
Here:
h=10 m=18
